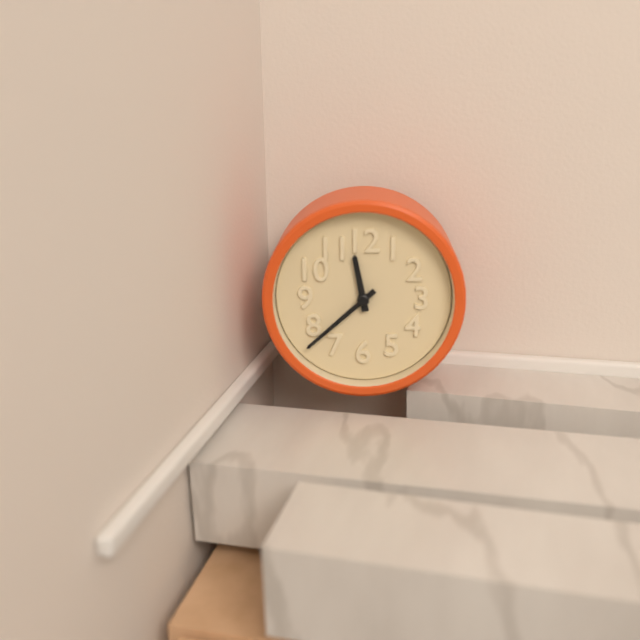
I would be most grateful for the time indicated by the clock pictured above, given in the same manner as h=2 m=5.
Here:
h=11 m=38
